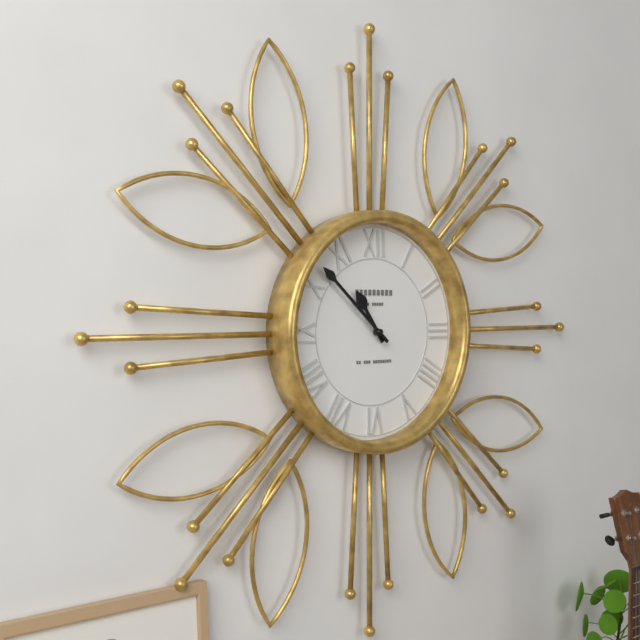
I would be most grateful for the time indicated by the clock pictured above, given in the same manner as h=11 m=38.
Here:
h=10 m=52
